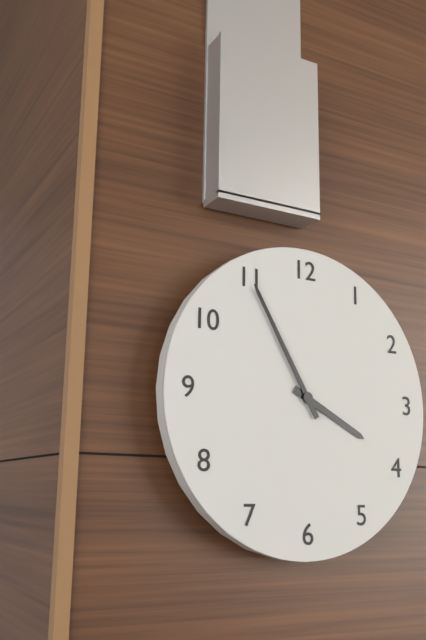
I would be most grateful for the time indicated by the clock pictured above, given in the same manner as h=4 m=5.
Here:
h=3 m=55
